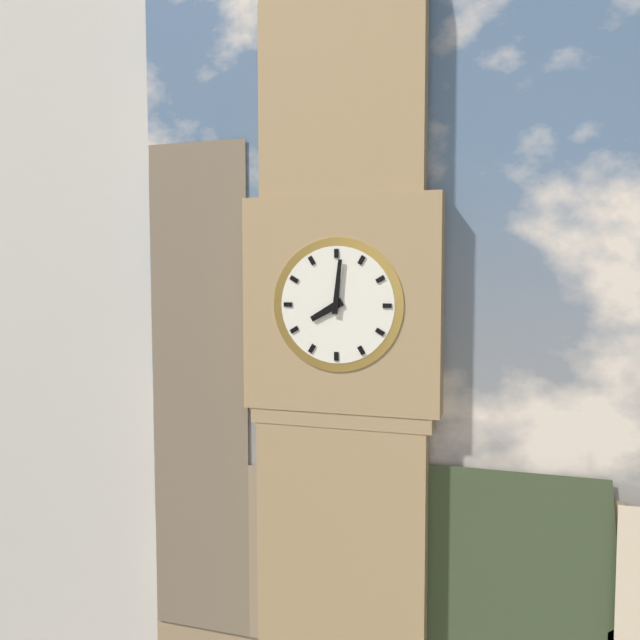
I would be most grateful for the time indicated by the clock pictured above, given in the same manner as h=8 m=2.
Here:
h=8 m=1
